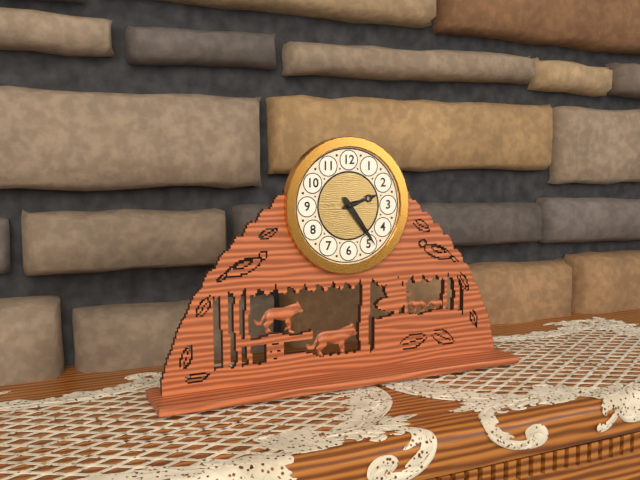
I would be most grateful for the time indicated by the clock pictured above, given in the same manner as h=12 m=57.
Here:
h=2 m=24
